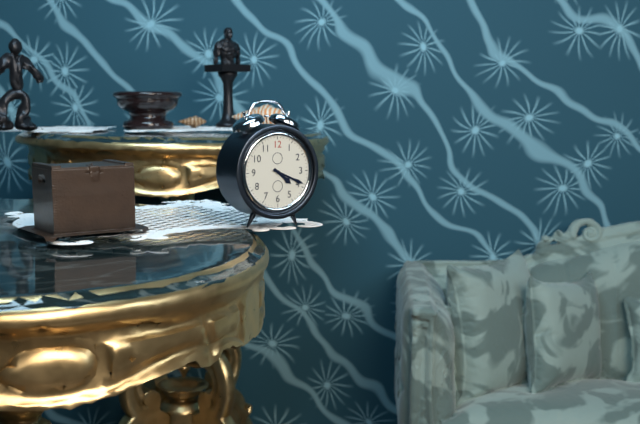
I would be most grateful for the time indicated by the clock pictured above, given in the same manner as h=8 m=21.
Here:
h=4 m=19
